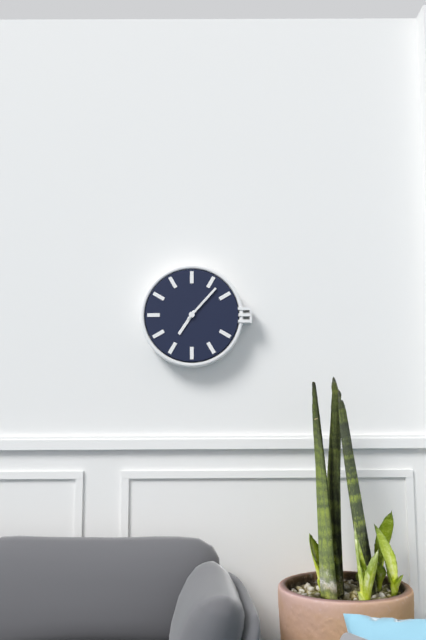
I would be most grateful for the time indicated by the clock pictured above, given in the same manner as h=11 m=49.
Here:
h=7 m=7
